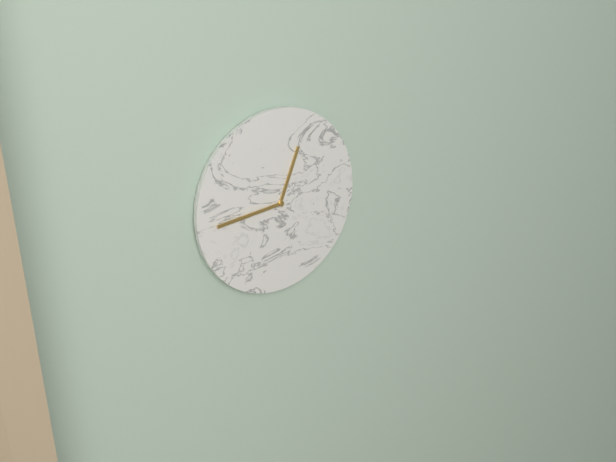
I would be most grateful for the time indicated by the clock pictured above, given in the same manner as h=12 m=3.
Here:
h=12 m=44
